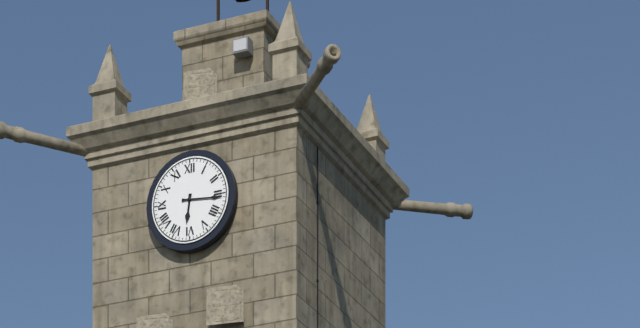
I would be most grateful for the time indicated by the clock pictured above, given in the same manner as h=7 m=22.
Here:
h=6 m=16
